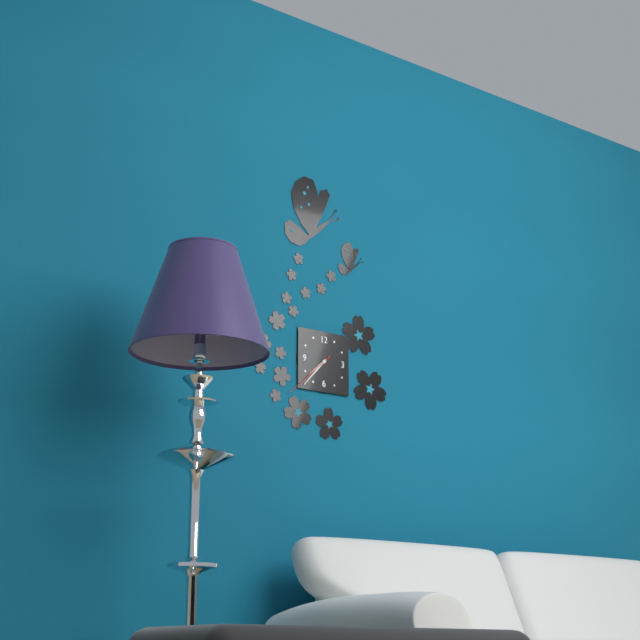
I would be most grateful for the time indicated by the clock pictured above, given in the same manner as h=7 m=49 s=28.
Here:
h=7 m=37 s=38
